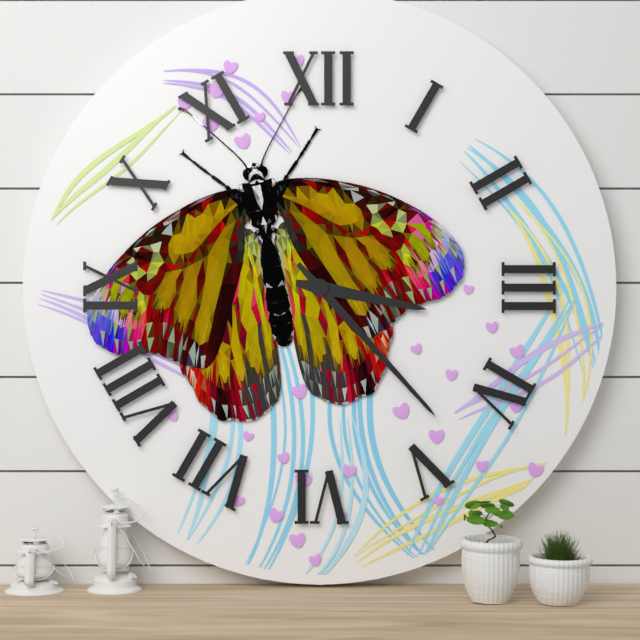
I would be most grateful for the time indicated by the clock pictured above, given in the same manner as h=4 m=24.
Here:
h=3 m=23
